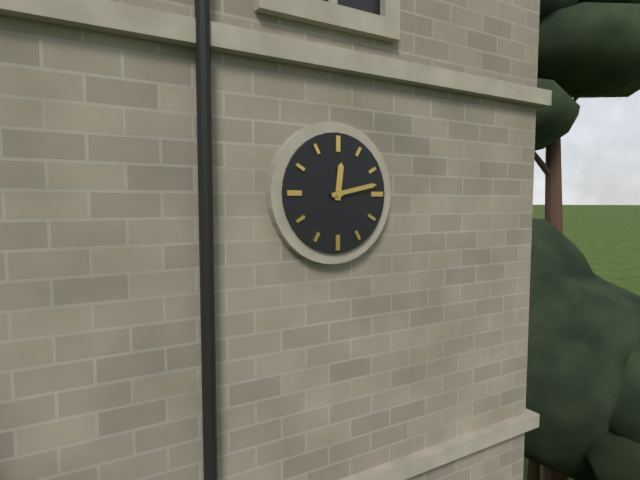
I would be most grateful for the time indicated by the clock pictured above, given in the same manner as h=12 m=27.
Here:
h=12 m=13
